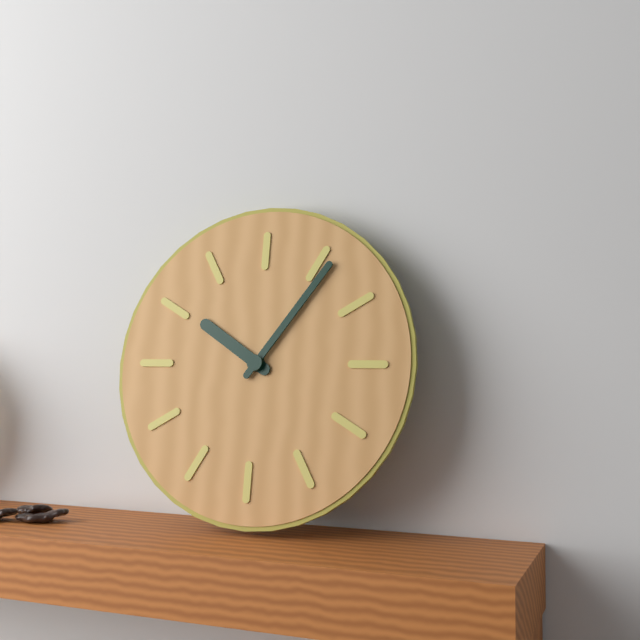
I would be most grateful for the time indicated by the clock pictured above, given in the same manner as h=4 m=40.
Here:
h=10 m=6
